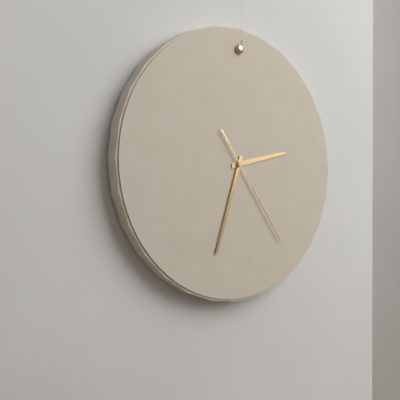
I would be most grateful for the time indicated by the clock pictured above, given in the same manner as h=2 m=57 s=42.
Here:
h=2 m=33 s=24
